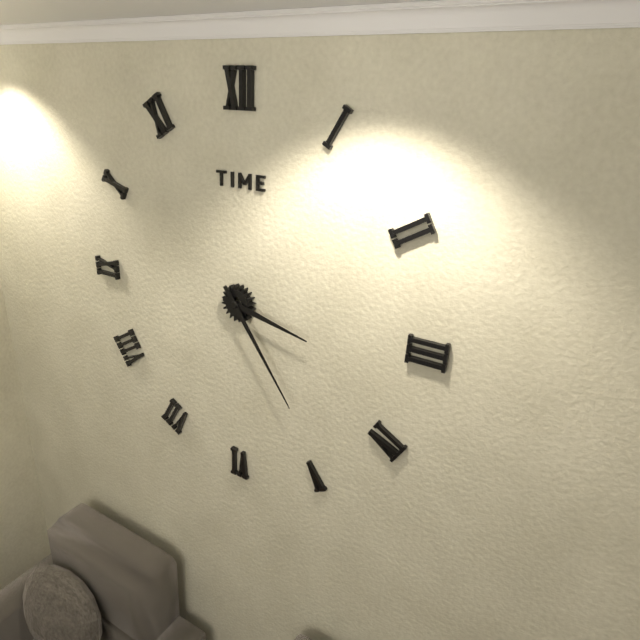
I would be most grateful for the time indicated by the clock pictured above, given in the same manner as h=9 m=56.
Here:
h=3 m=24
